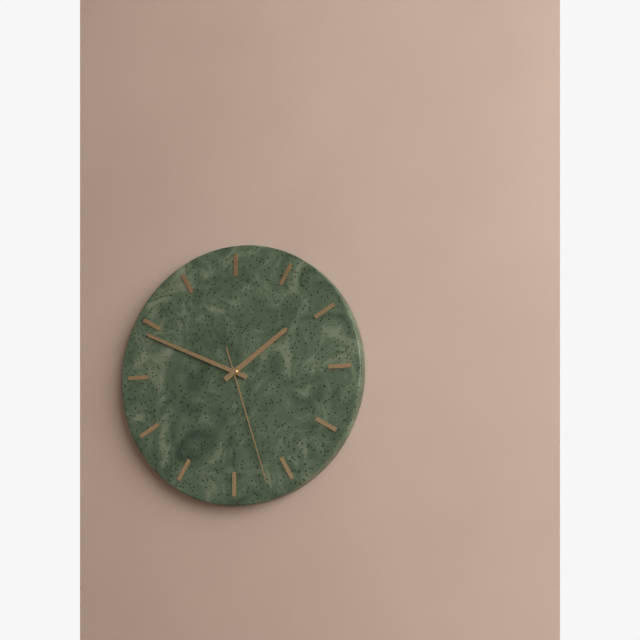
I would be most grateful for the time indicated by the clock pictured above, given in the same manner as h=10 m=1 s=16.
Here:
h=1 m=49 s=27
